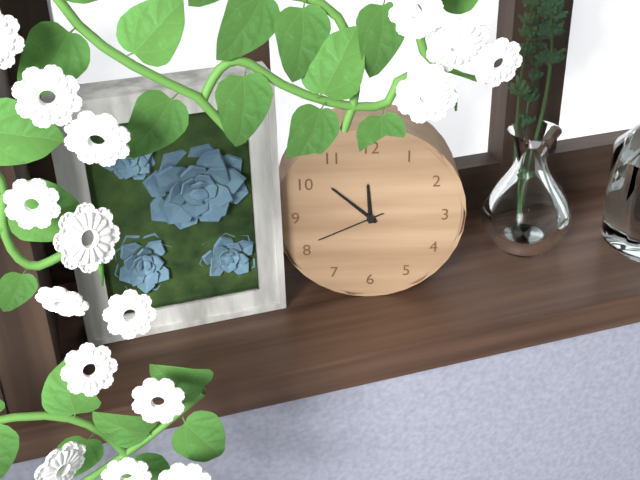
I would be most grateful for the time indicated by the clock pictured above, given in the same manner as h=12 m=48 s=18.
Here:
h=11 m=52 s=41
